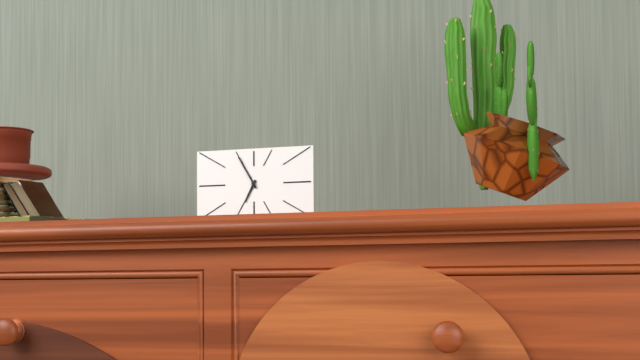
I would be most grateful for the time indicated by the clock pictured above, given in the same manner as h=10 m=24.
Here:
h=6 m=55
